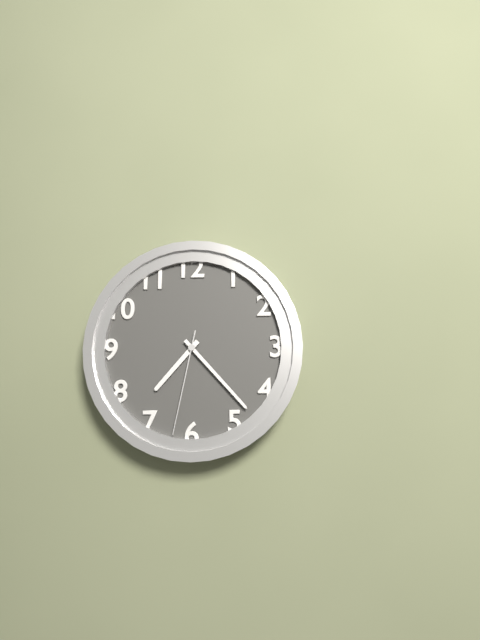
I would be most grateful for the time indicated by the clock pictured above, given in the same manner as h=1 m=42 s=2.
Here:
h=7 m=23 s=32
